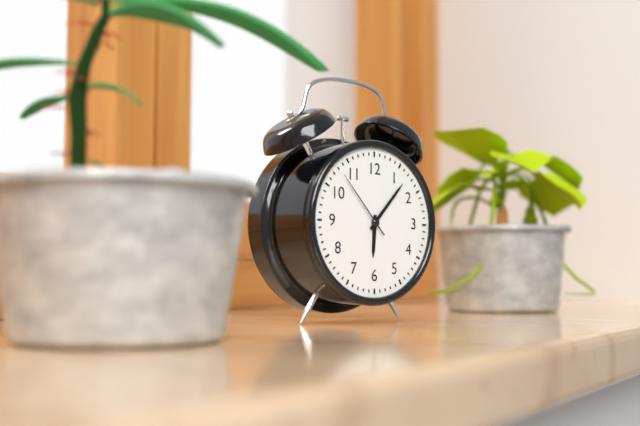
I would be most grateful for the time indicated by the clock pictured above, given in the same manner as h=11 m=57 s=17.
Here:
h=6 m=7 s=53
